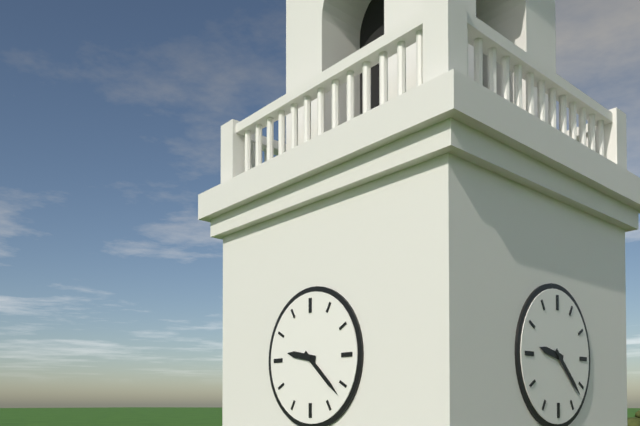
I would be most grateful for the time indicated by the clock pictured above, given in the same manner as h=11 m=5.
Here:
h=9 m=22
